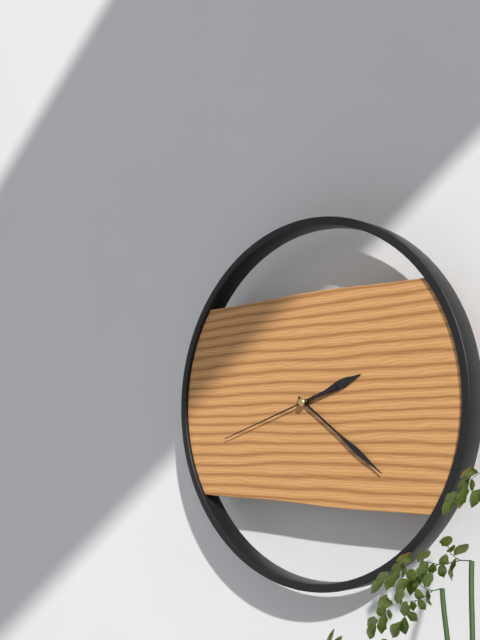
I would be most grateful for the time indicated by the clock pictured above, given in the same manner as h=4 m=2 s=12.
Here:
h=2 m=21 s=42
